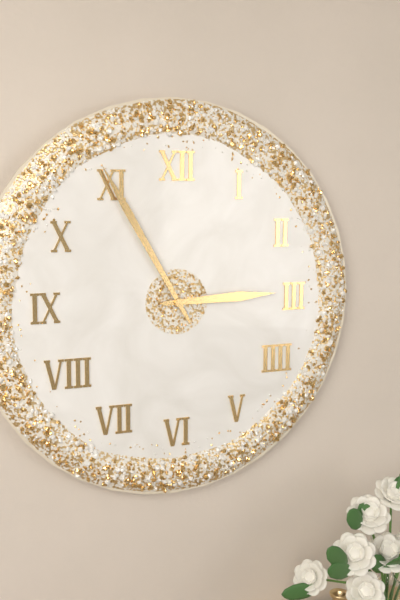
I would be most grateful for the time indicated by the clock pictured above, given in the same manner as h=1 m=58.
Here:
h=2 m=55
